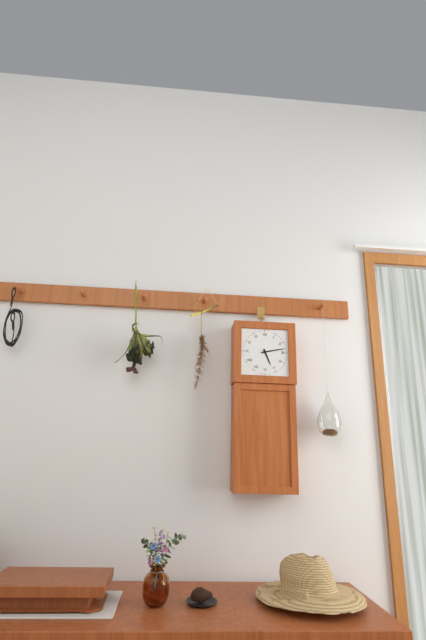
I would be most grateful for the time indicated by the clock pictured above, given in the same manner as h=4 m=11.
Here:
h=5 m=13
